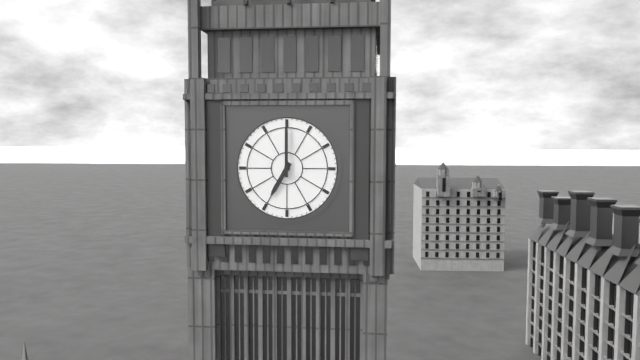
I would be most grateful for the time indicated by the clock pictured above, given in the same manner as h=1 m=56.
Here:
h=7 m=0
